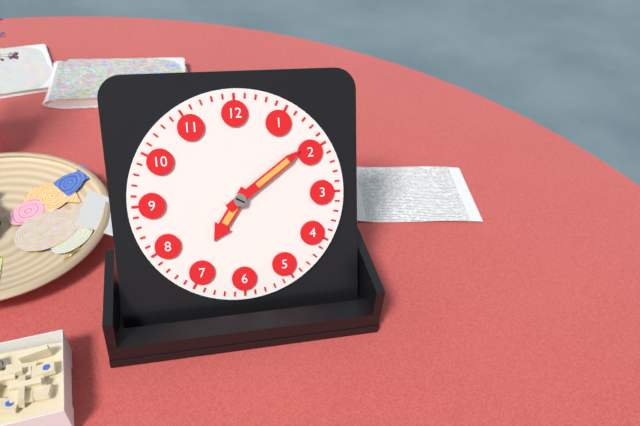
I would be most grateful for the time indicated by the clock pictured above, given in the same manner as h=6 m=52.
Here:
h=7 m=9
